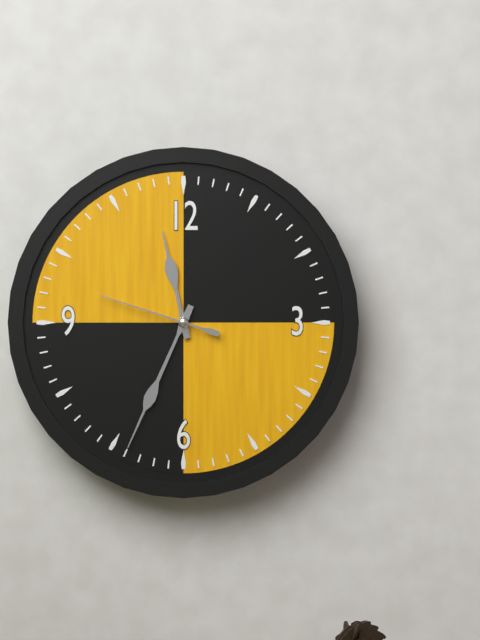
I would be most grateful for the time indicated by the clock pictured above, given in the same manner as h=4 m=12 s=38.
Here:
h=11 m=34 s=48
